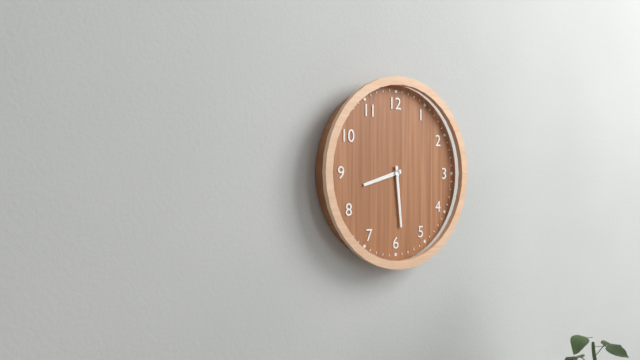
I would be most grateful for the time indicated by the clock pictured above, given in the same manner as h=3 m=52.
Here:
h=8 m=29
